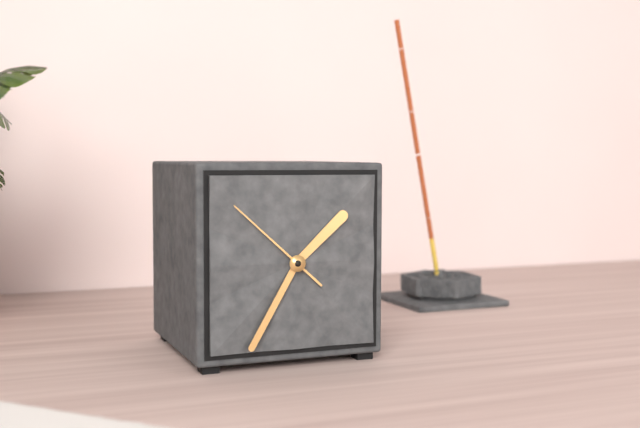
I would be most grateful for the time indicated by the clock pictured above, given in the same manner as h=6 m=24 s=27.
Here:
h=1 m=35 s=52
